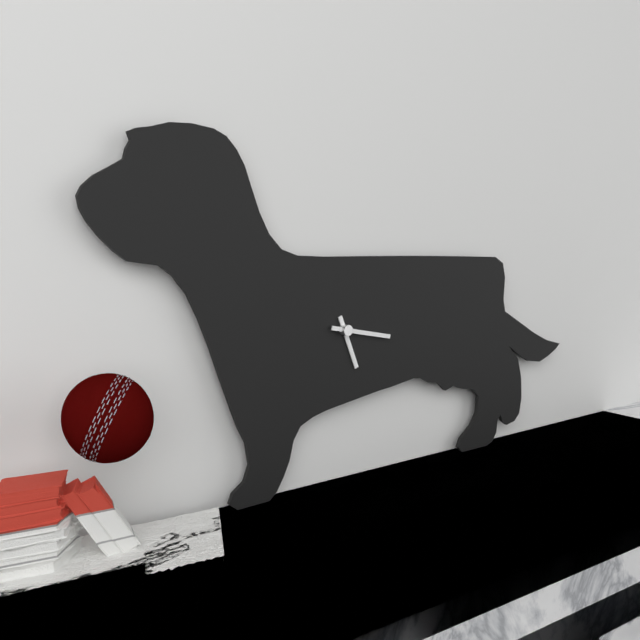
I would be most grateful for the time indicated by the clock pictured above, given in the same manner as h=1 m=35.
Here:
h=5 m=17
